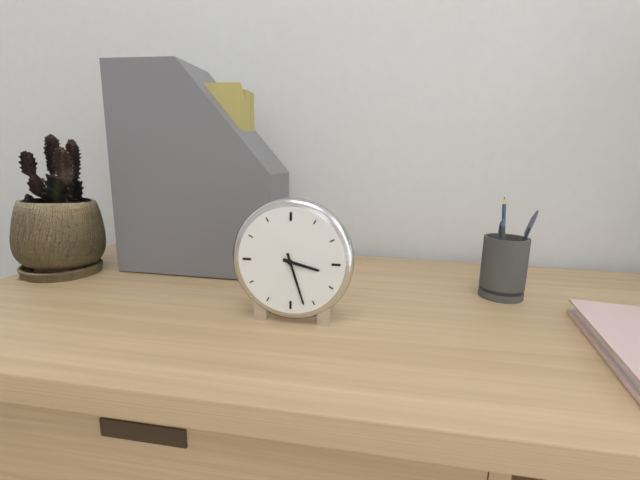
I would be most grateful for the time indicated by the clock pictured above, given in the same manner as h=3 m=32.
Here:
h=3 m=27
